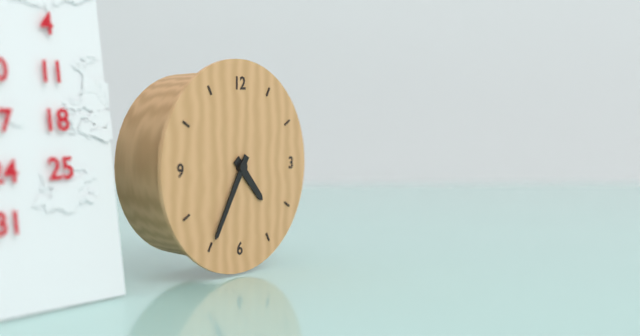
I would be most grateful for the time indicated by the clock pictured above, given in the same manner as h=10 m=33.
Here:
h=4 m=35
